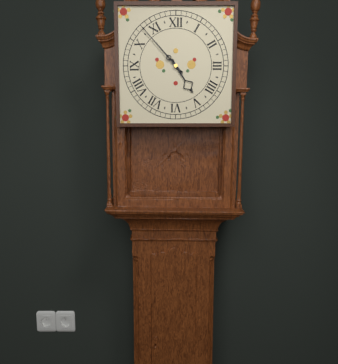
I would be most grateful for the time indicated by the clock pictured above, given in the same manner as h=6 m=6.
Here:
h=4 m=53
